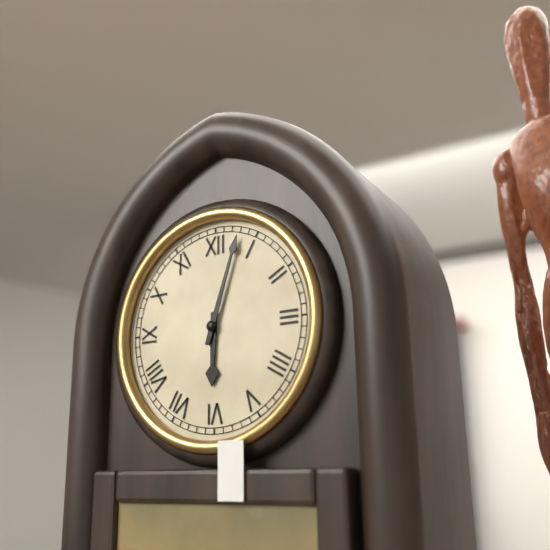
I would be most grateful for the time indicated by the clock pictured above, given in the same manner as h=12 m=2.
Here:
h=6 m=3
